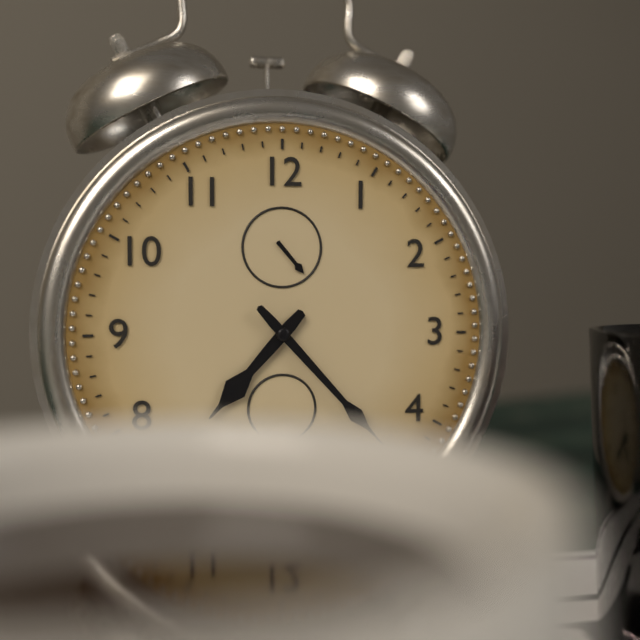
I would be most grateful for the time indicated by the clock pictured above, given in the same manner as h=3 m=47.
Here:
h=7 m=23
